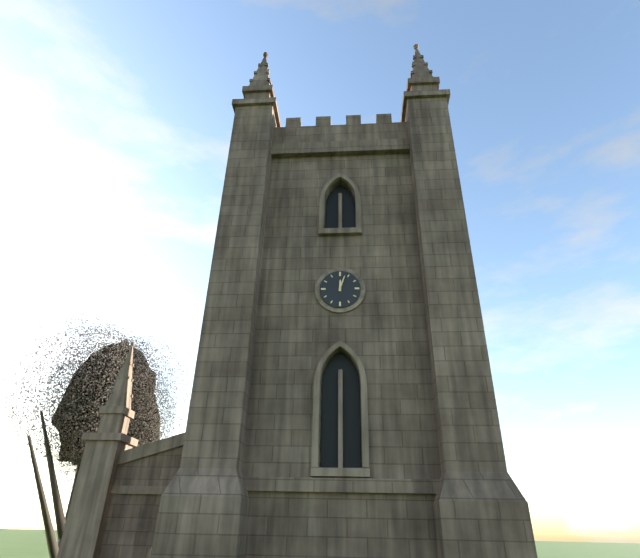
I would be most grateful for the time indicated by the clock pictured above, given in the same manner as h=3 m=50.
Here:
h=12 m=3
